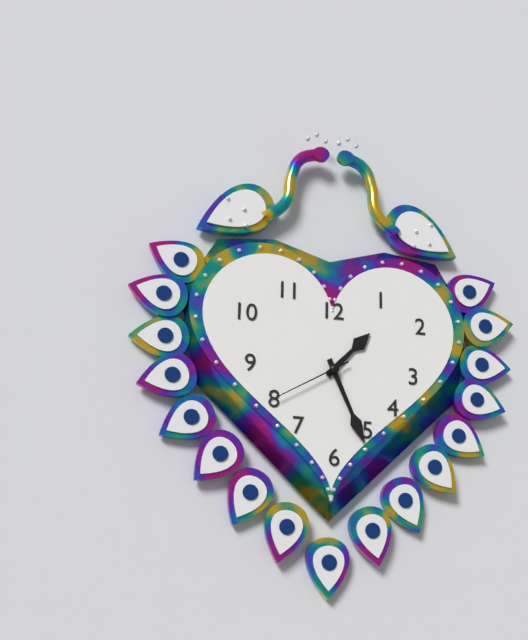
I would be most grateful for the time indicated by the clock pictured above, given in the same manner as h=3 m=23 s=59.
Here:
h=1 m=26 s=40
